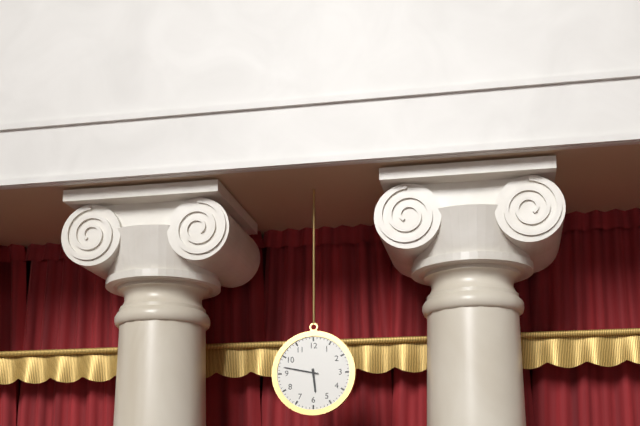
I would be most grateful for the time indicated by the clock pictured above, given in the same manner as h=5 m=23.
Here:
h=5 m=47
